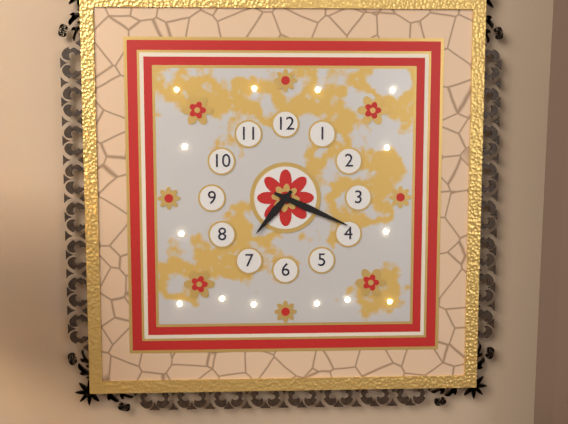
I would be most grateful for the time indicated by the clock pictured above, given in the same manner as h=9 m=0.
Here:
h=7 m=19
